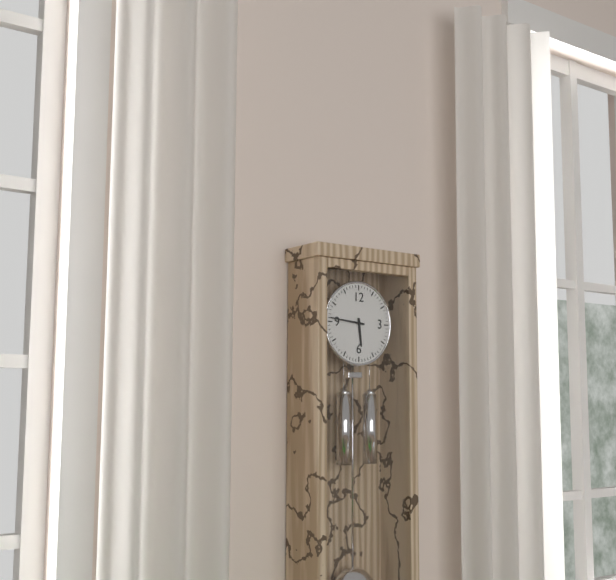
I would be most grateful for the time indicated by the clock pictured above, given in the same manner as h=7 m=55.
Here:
h=5 m=46
